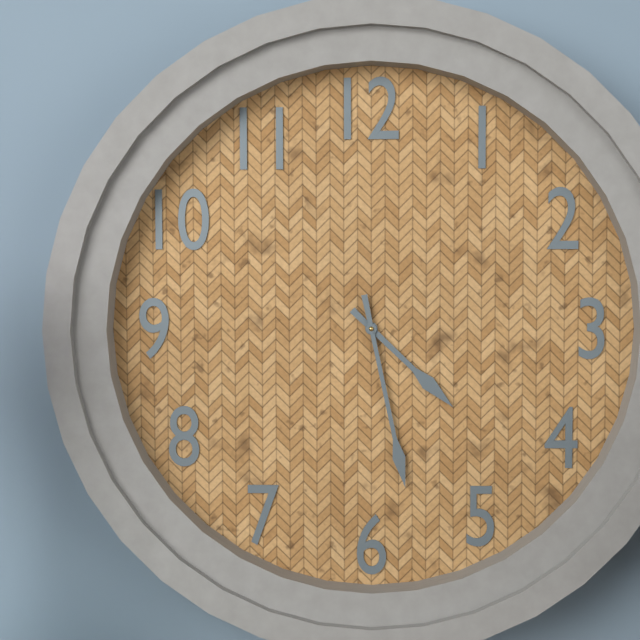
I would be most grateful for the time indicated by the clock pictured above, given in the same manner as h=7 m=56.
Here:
h=4 m=28
